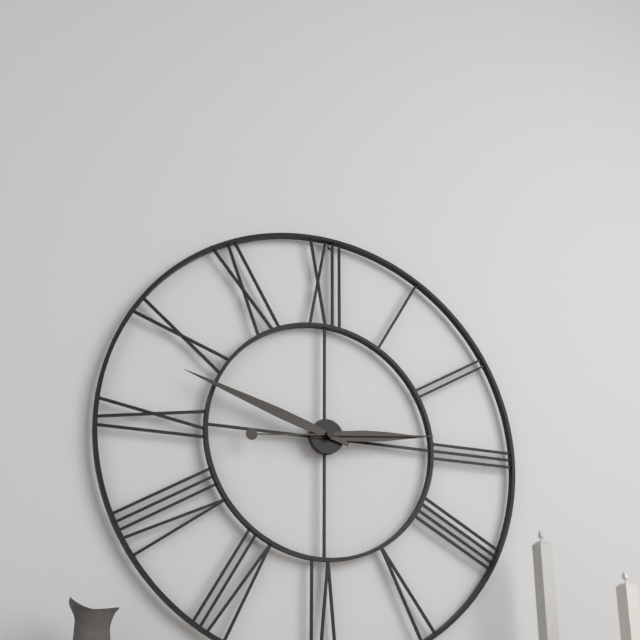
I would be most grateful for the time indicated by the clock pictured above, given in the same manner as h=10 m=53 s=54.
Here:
h=2 m=48 s=14
